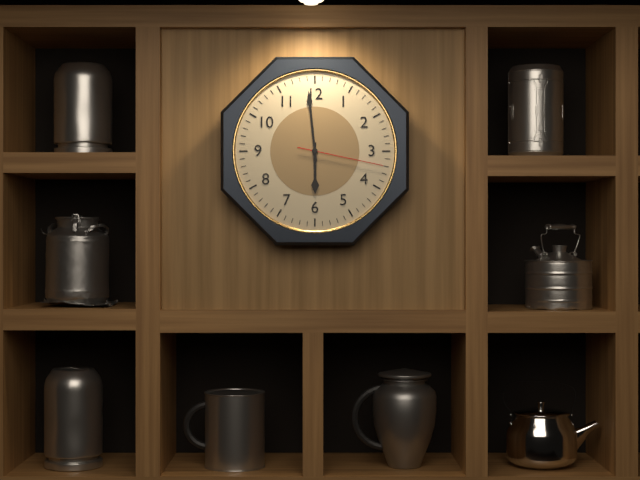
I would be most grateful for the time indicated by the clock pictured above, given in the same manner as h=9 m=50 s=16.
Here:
h=5 m=59 s=17
